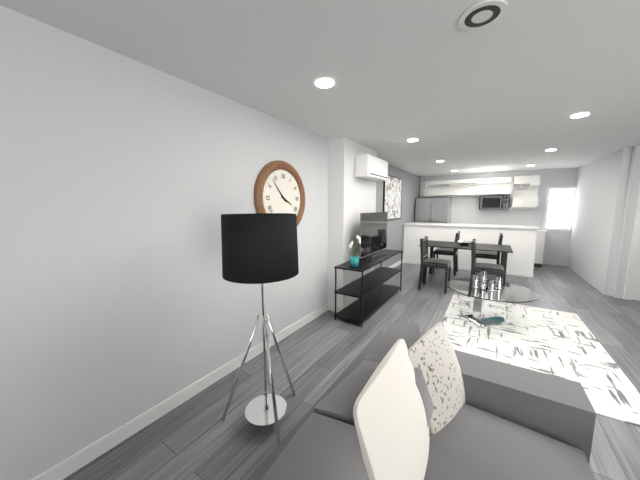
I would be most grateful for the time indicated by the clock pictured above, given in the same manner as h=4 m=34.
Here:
h=3 m=53
